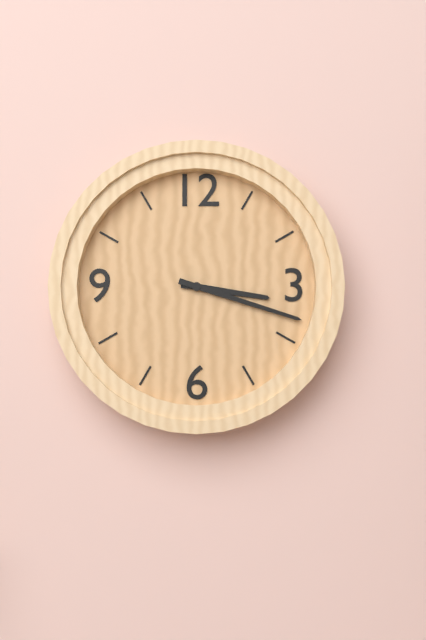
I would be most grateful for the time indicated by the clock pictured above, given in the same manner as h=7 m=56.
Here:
h=3 m=18
